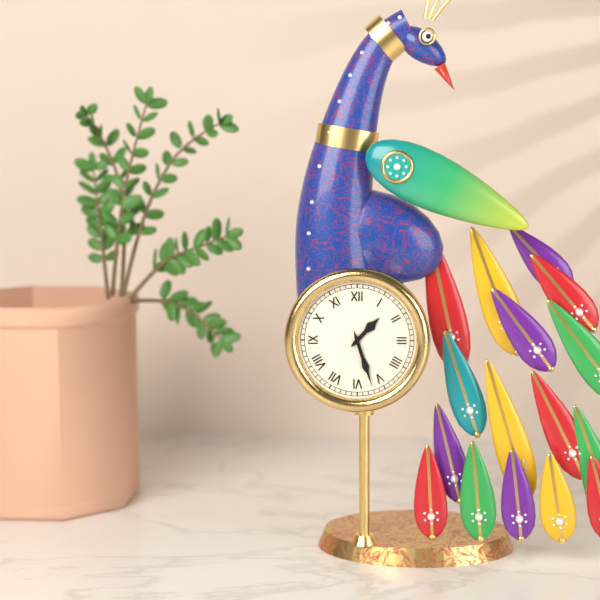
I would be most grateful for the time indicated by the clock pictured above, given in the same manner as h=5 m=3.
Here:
h=1 m=27
